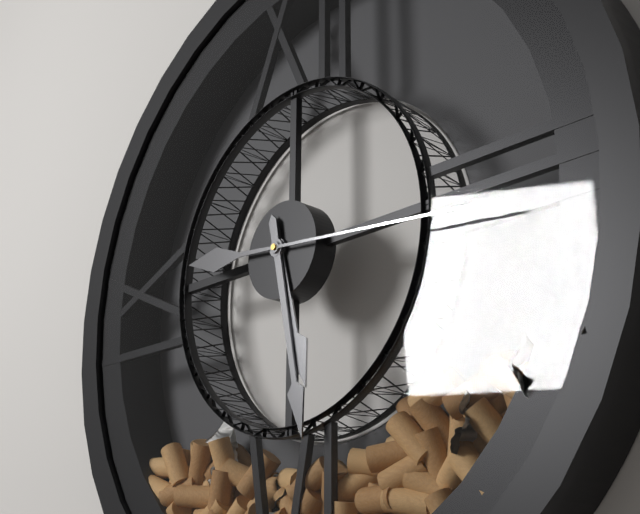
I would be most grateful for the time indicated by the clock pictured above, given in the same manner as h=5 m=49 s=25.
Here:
h=5 m=28 s=16
